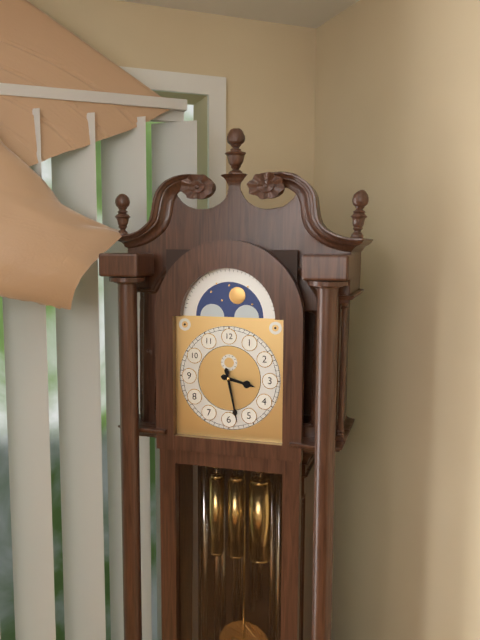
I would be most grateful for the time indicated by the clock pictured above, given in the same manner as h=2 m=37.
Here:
h=3 m=28
